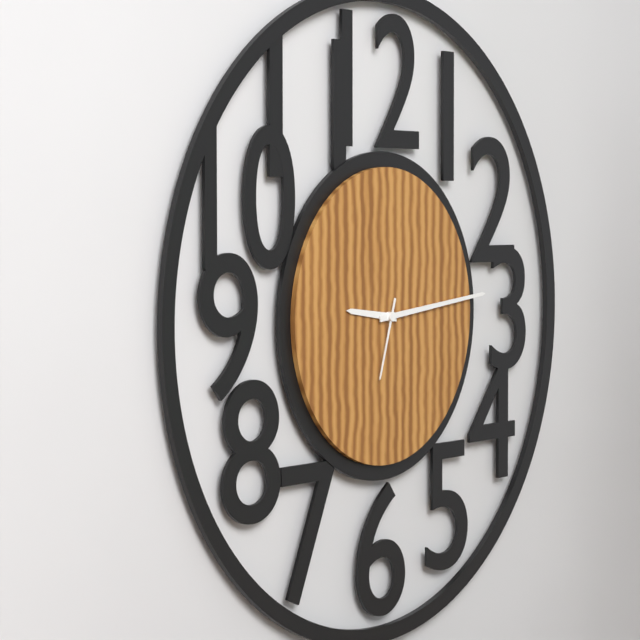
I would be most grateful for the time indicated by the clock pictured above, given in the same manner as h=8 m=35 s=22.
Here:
h=9 m=14 s=33
